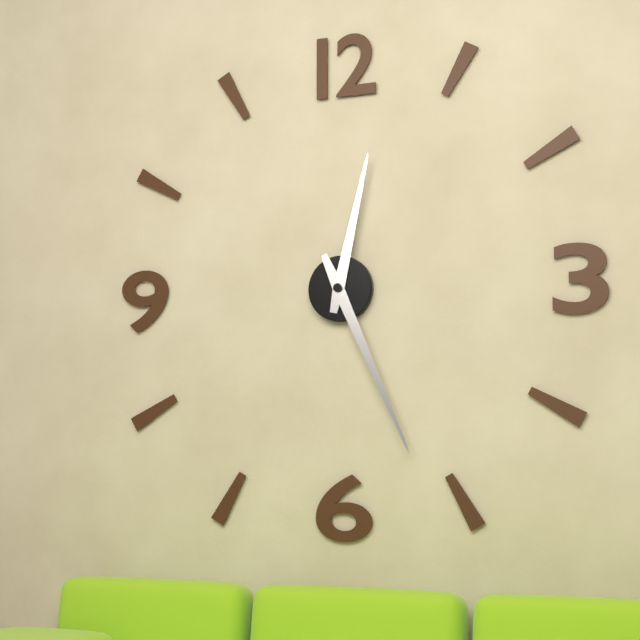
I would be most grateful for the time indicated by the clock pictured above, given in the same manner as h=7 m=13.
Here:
h=12 m=26
